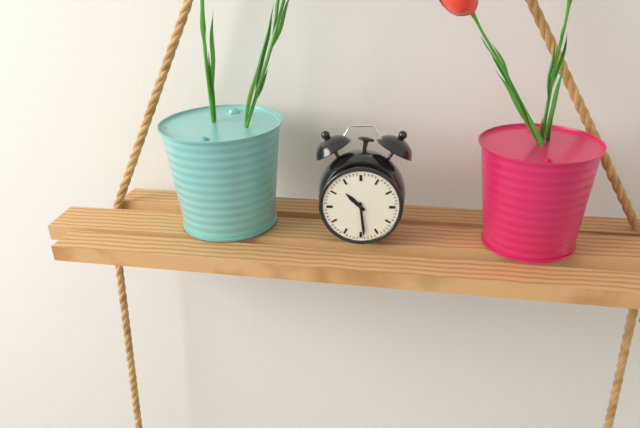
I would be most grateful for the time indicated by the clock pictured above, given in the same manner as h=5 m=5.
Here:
h=10 m=29
